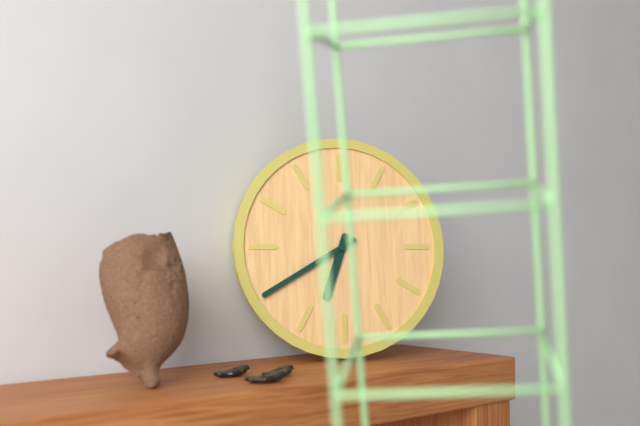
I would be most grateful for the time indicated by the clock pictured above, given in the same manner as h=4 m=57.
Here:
h=6 m=40
